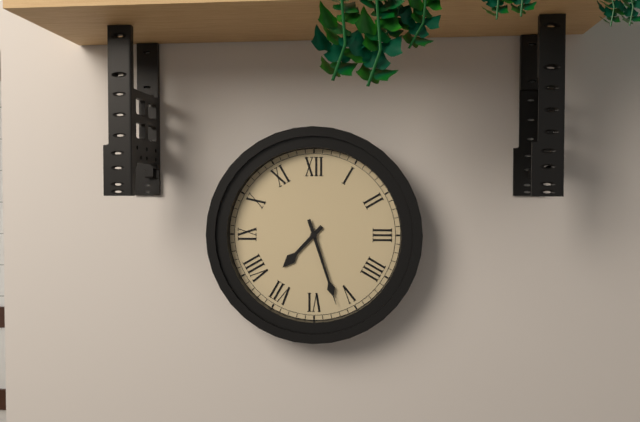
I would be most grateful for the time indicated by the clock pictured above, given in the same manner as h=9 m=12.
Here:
h=7 m=27
